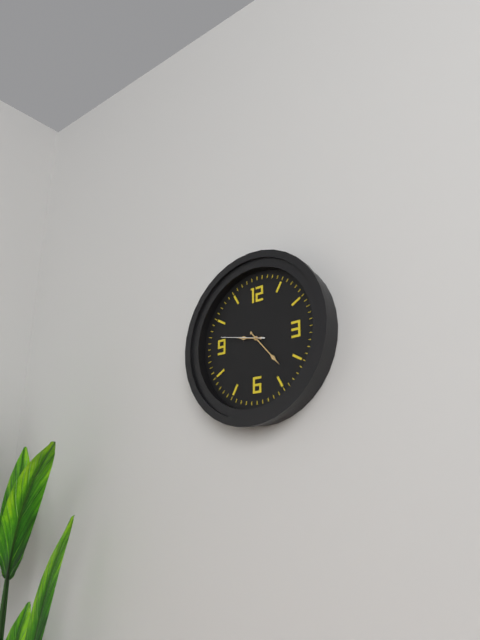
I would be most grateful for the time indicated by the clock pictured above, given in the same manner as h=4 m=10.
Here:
h=9 m=23
